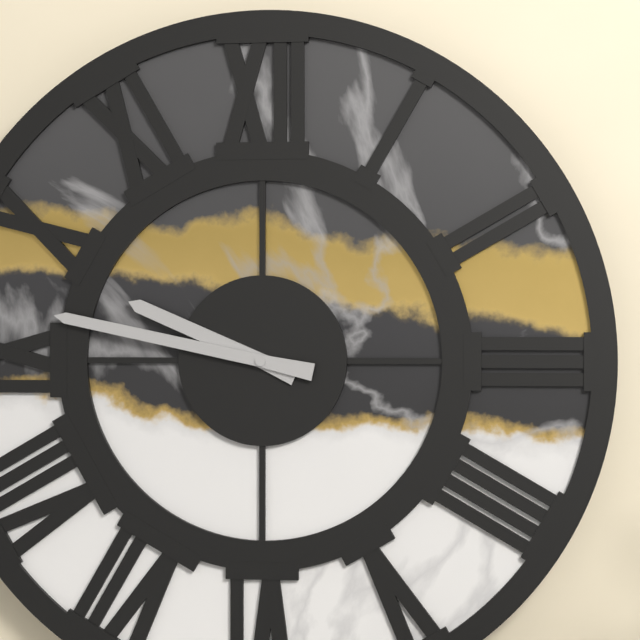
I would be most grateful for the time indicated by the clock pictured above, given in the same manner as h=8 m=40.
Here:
h=9 m=47
